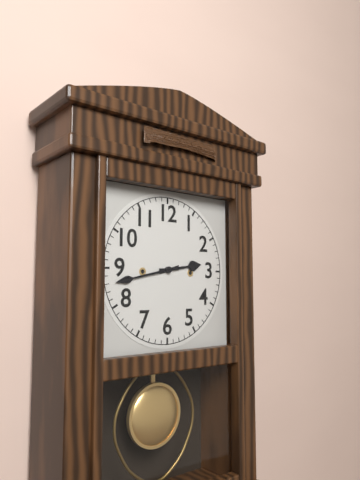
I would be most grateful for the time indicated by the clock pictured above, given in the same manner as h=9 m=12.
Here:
h=2 m=43
